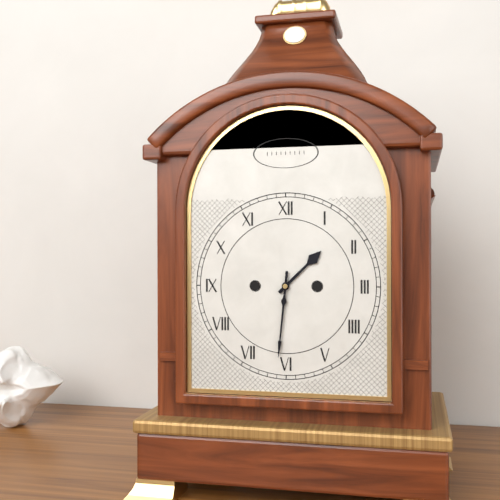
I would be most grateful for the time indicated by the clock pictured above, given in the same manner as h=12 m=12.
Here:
h=1 m=31
